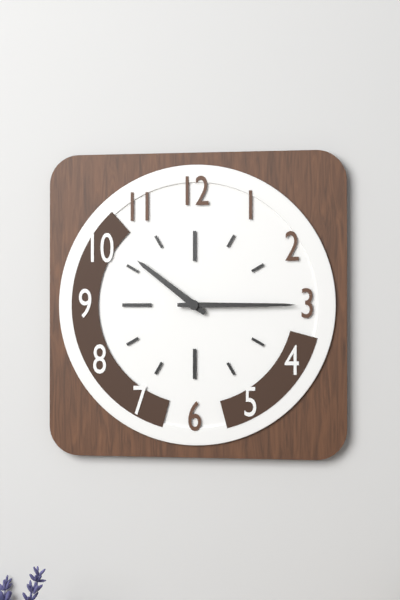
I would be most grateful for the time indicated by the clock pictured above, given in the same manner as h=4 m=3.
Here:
h=10 m=15
